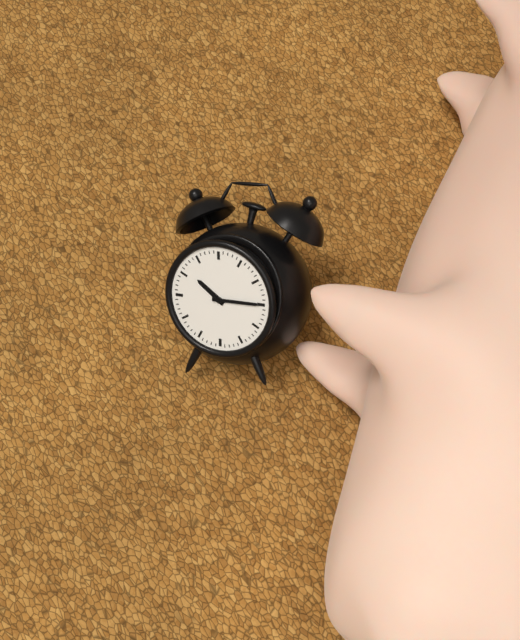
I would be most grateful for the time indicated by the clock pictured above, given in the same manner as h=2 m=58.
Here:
h=10 m=15
